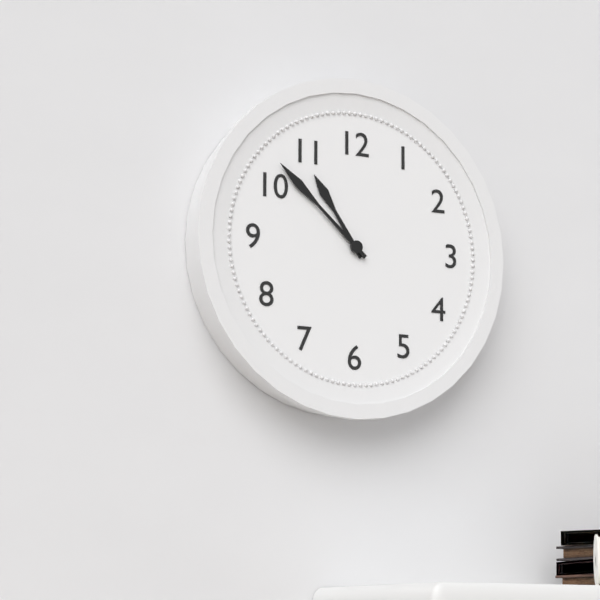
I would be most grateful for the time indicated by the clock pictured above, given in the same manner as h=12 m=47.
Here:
h=10 m=52
